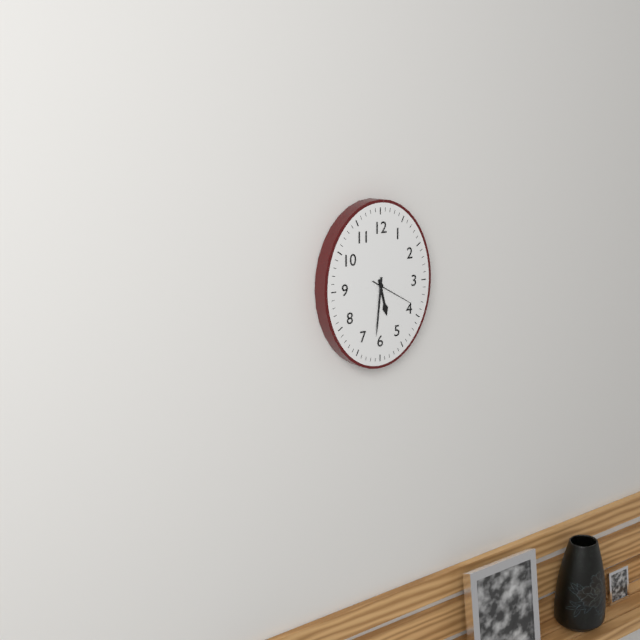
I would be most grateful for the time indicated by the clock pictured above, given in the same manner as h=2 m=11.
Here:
h=5 m=31
